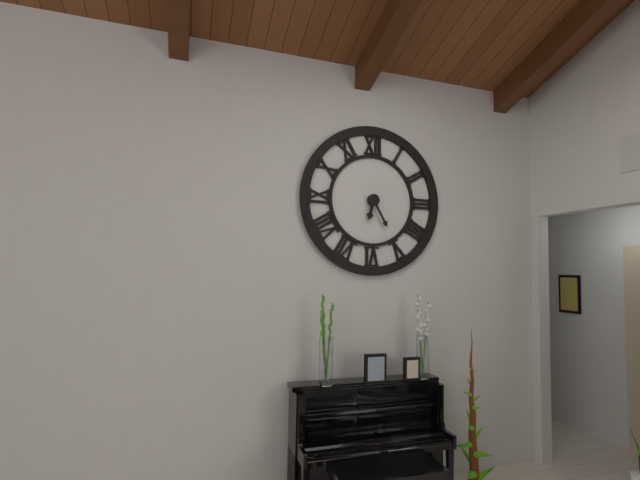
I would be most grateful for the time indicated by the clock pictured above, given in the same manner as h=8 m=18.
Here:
h=6 m=25
